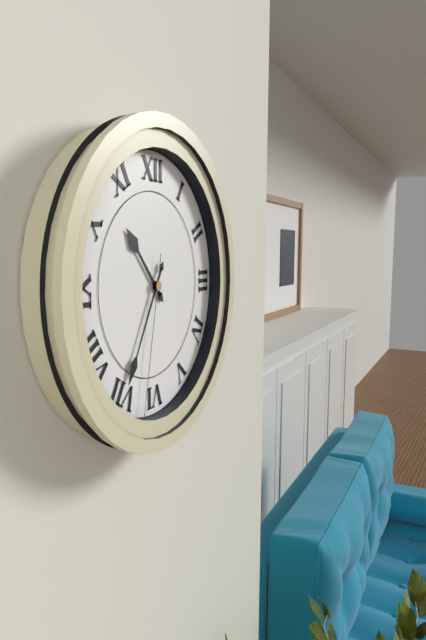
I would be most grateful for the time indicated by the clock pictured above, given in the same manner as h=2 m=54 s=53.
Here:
h=10 m=35 s=32
